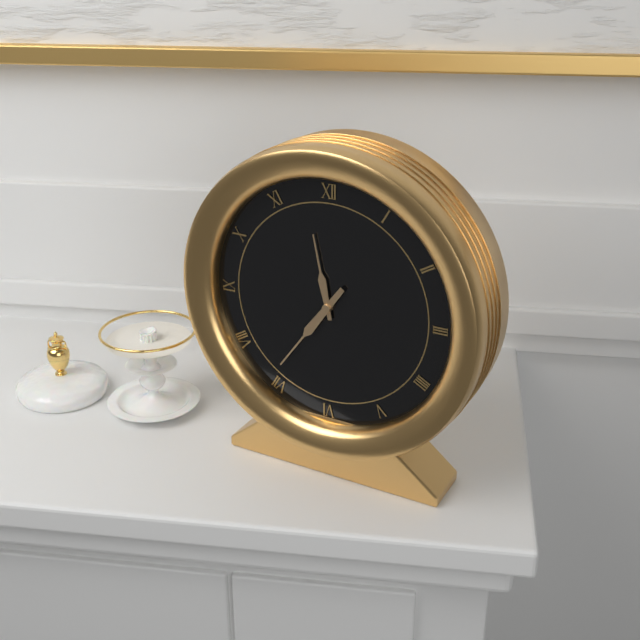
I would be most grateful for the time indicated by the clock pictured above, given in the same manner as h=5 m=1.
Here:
h=11 m=36
